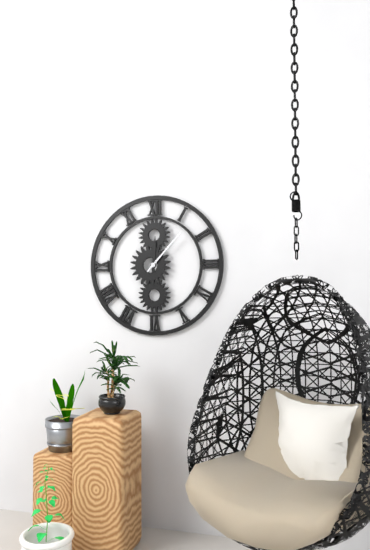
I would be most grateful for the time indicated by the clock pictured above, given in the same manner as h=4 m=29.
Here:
h=12 m=7
